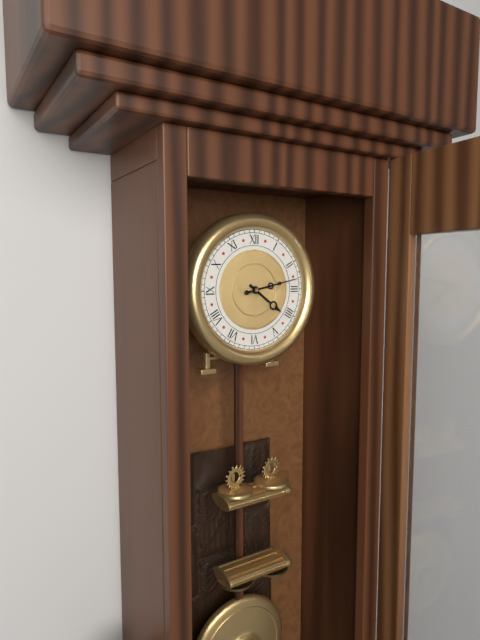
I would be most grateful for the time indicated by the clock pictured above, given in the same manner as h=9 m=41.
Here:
h=4 m=13
